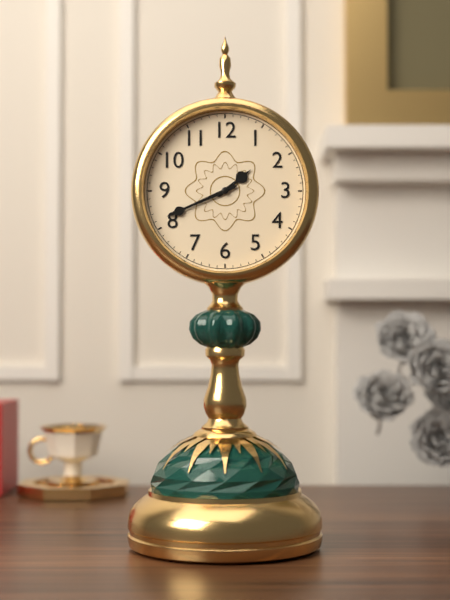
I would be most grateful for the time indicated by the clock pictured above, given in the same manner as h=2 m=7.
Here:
h=1 m=41
